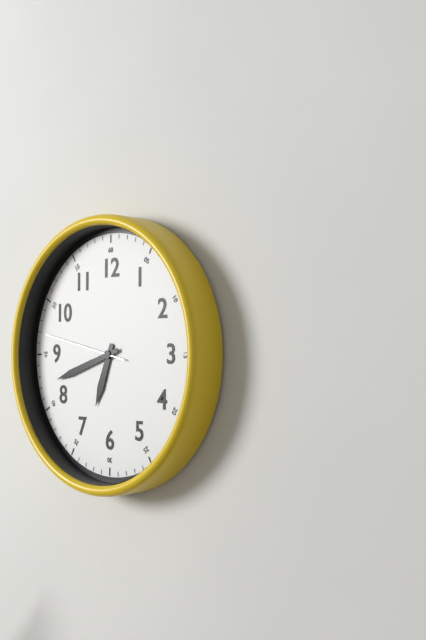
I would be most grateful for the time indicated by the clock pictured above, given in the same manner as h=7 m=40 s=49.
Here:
h=6 m=42 s=47
